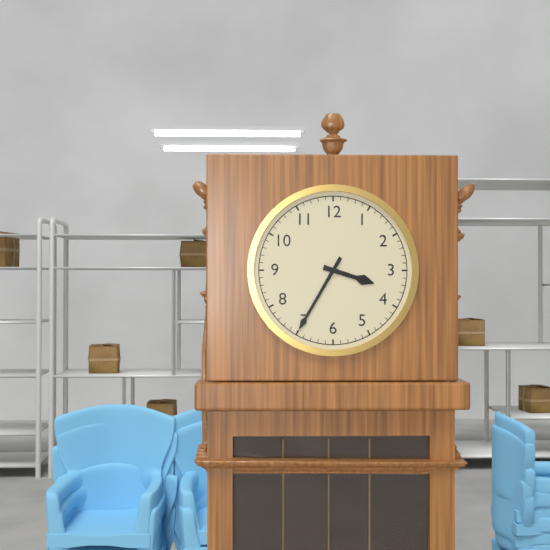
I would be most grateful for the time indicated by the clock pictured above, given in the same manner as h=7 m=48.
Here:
h=3 m=35
